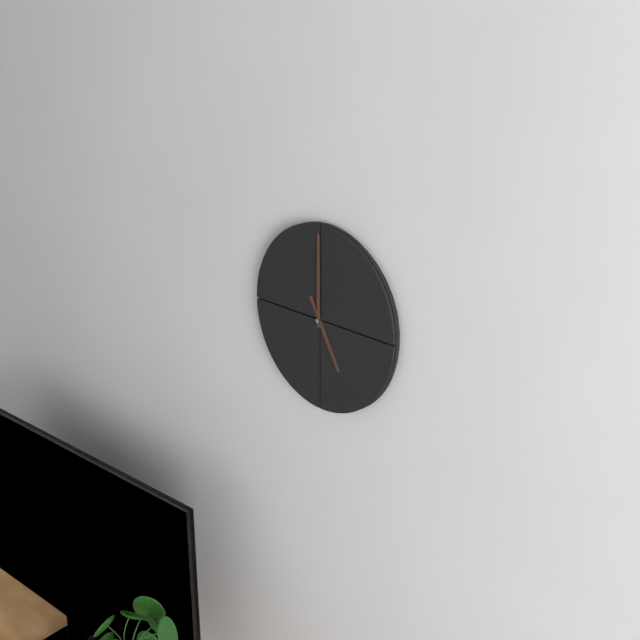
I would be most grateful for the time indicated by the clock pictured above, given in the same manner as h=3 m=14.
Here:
h=5 m=0
